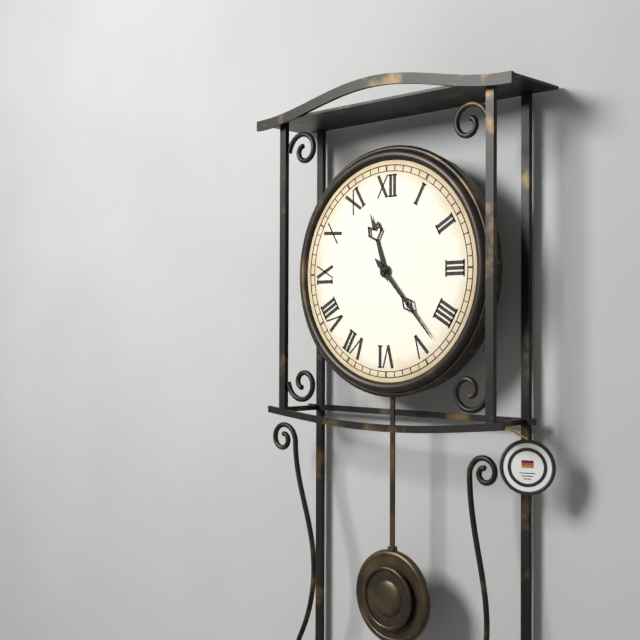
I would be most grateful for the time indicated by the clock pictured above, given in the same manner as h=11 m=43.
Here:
h=11 m=23
